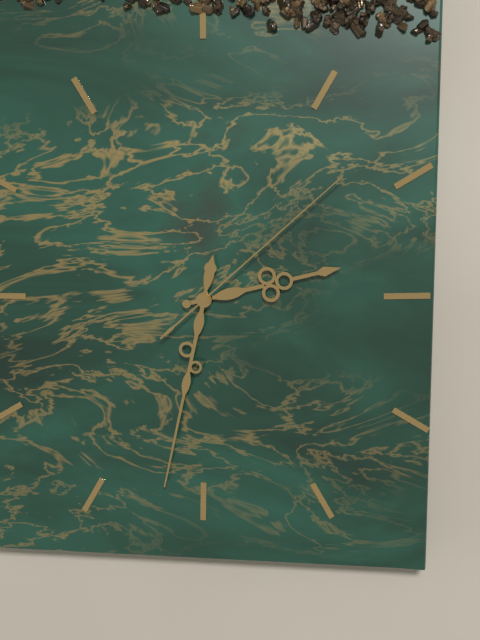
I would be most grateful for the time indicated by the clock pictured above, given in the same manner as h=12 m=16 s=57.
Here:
h=2 m=32 s=8
